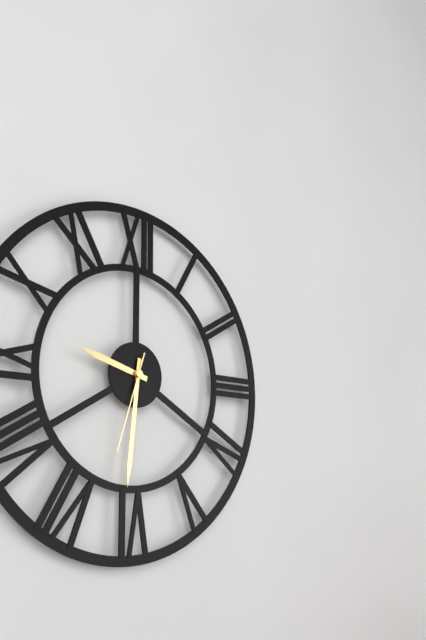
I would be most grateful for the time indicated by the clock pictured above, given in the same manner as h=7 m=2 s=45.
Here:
h=9 m=31 s=33
